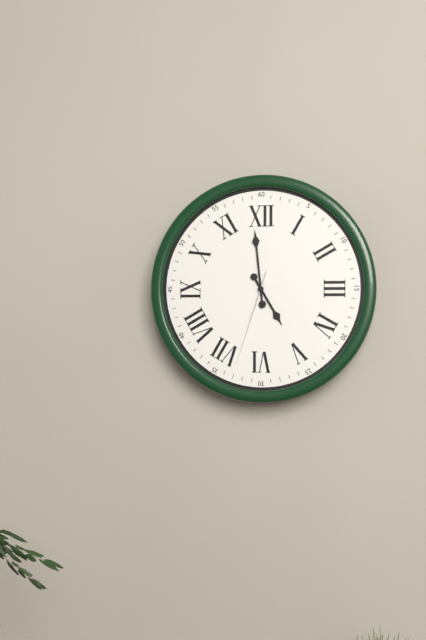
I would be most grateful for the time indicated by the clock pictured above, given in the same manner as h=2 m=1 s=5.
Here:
h=4 m=59 s=33
